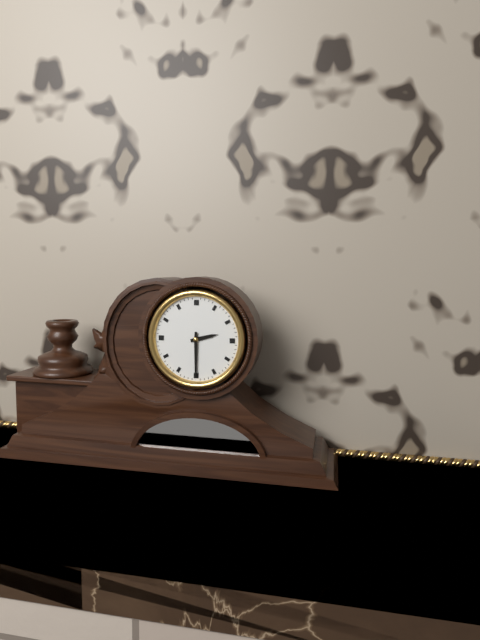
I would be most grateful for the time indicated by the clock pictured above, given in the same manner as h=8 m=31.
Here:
h=2 m=30
